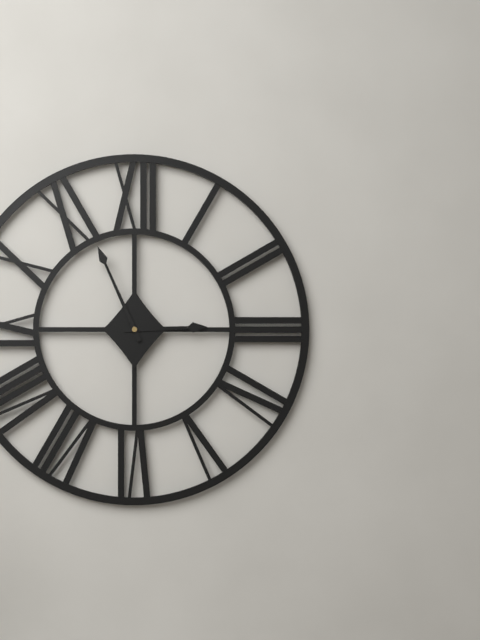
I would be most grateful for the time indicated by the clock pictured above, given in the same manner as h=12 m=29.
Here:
h=2 m=56
